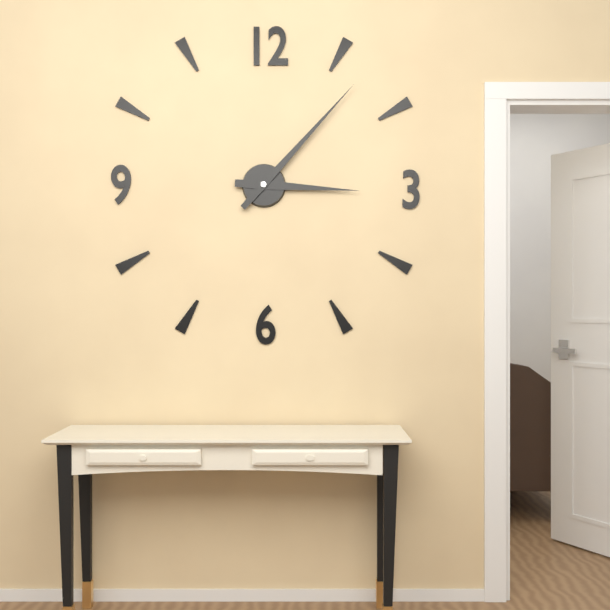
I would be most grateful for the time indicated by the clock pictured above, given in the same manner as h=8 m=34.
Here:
h=3 m=7
